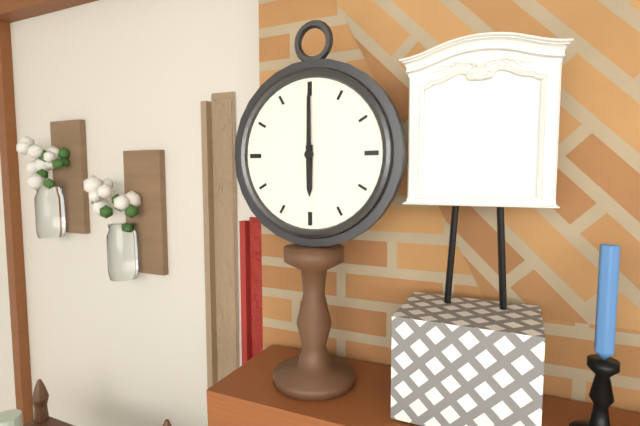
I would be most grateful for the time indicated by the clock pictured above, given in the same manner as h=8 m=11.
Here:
h=6 m=0
